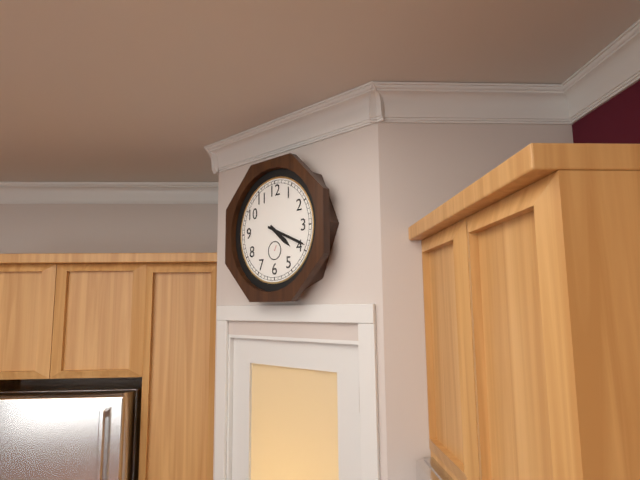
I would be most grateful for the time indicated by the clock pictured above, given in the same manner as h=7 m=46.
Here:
h=4 m=19
